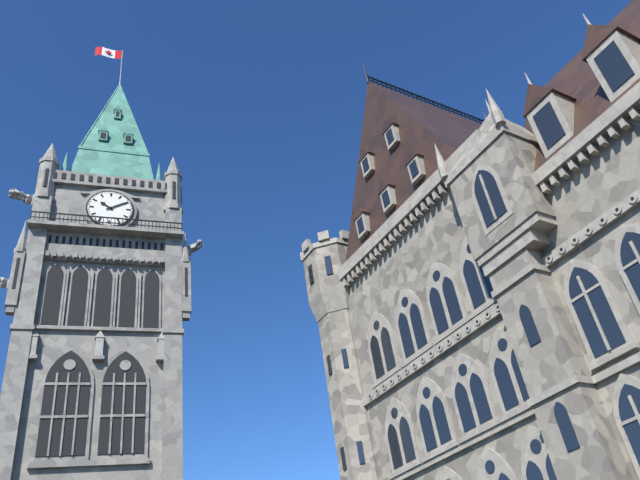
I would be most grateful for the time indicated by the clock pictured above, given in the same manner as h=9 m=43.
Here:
h=10 m=10
